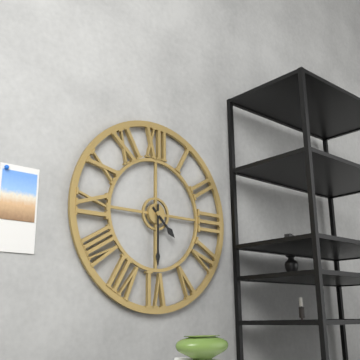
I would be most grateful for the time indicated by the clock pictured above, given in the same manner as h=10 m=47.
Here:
h=4 m=30
